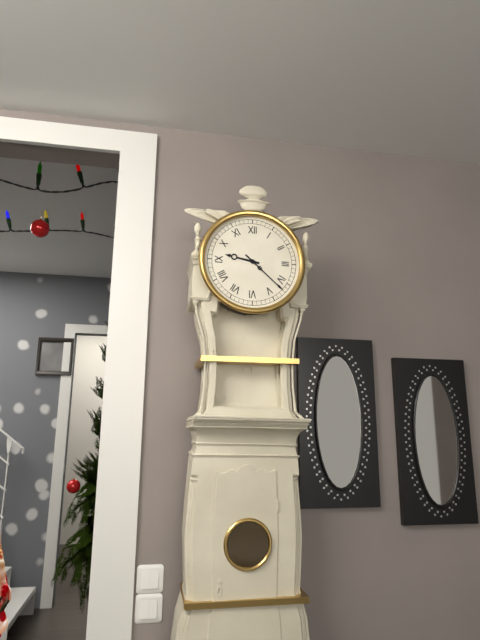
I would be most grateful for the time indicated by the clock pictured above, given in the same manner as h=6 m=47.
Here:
h=9 m=22
